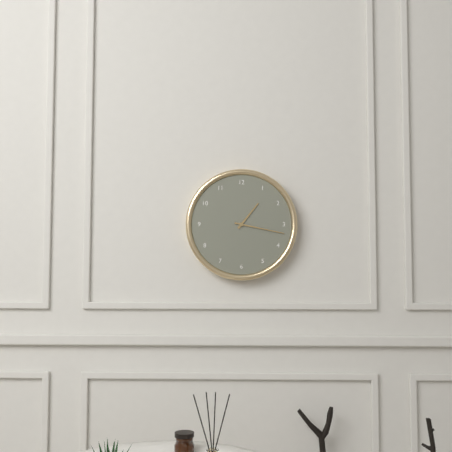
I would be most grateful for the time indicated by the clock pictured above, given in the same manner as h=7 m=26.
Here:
h=1 m=17
